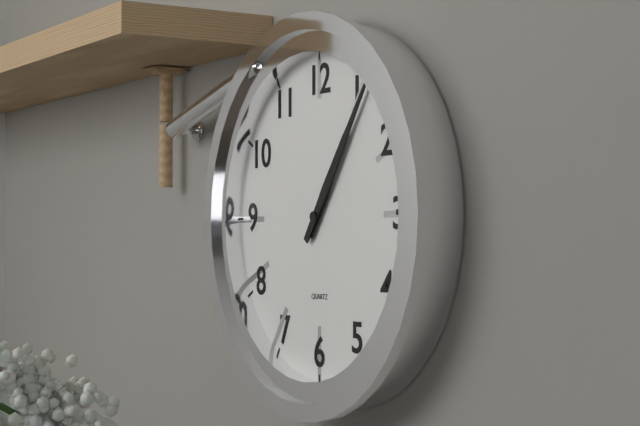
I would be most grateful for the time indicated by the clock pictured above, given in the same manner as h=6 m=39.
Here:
h=1 m=6
